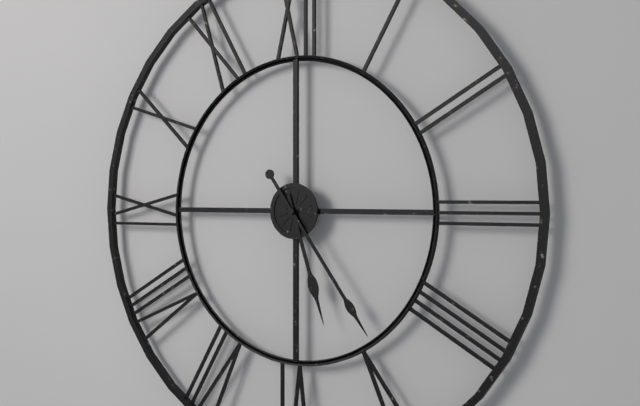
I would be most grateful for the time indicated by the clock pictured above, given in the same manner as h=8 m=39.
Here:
h=5 m=24
